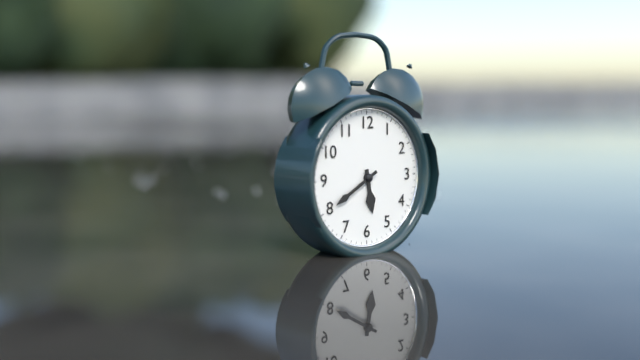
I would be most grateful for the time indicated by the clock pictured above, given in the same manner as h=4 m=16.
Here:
h=5 m=40
